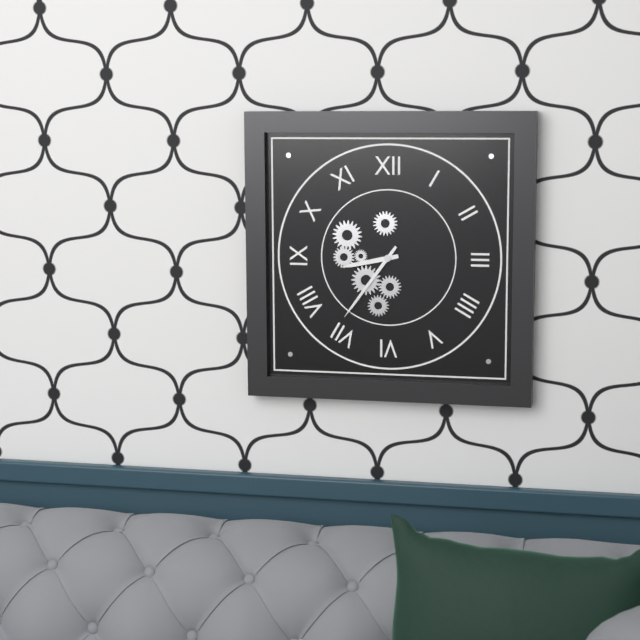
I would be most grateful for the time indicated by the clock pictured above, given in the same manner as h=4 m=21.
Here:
h=8 m=36
